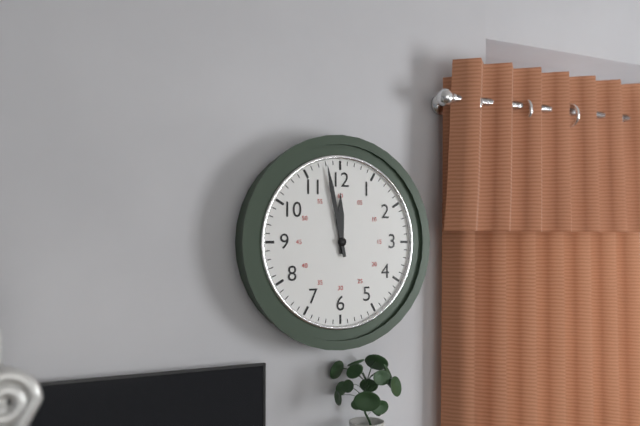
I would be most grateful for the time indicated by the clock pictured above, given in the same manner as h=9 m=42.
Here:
h=11 m=58
